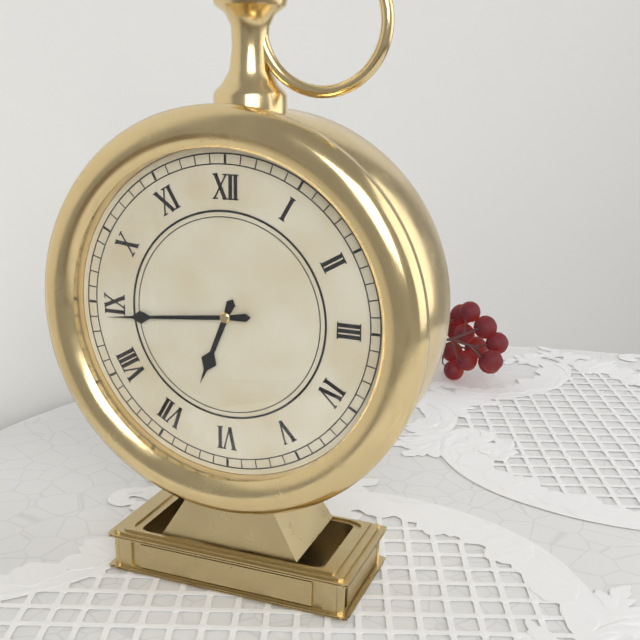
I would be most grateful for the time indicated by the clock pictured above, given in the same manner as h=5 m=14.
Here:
h=6 m=44
